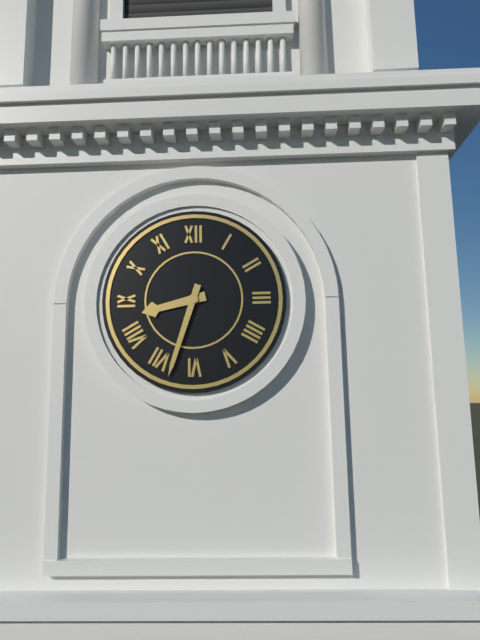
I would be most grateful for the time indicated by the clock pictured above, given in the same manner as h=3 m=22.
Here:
h=8 m=33
